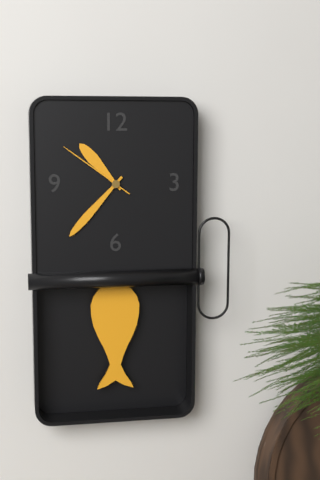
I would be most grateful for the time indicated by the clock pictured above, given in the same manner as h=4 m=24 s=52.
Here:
h=10 m=37 s=51
